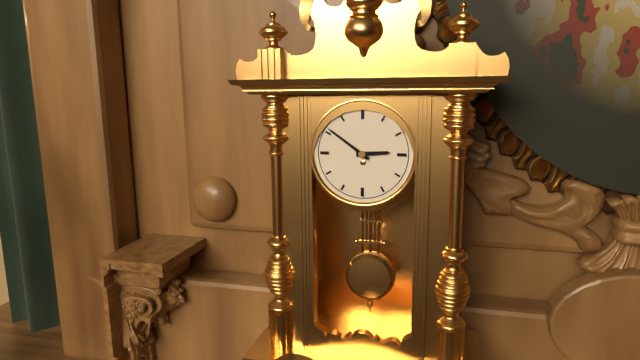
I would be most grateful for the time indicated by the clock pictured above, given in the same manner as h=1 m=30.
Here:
h=2 m=51
